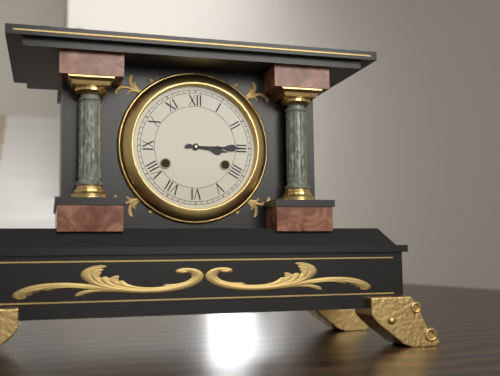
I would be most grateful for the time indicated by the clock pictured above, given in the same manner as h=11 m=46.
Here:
h=3 m=15
